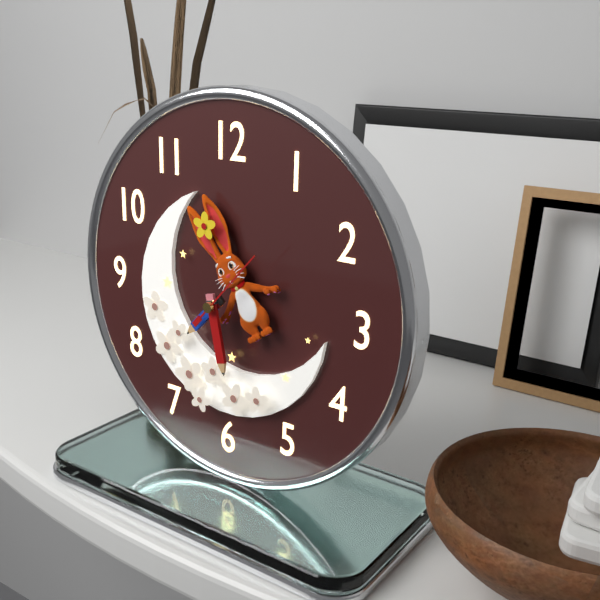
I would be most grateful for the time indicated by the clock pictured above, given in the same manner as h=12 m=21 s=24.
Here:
h=7 m=28 s=7
